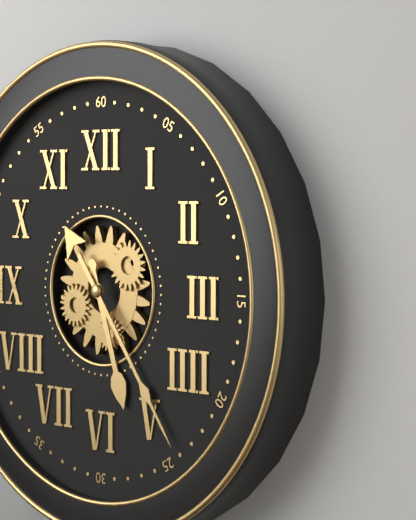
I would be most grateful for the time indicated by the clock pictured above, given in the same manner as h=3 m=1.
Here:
h=5 m=24
